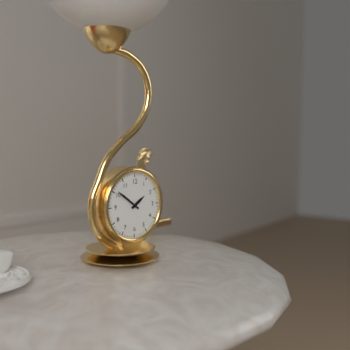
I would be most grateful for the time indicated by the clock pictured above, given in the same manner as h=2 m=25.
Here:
h=1 m=51
